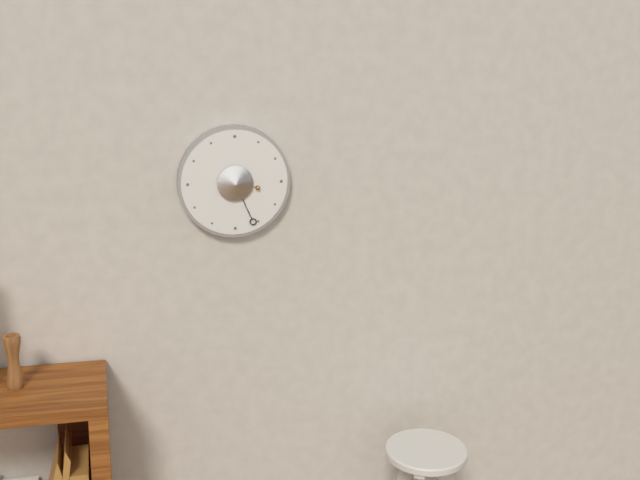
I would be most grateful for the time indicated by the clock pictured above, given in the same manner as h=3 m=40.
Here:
h=3 m=26
